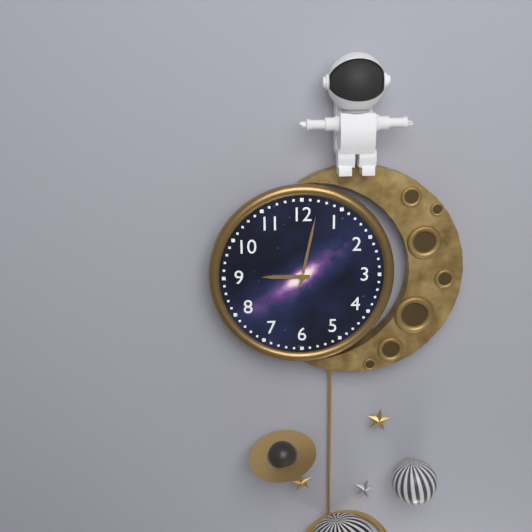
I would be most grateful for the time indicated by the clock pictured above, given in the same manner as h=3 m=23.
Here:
h=9 m=2
